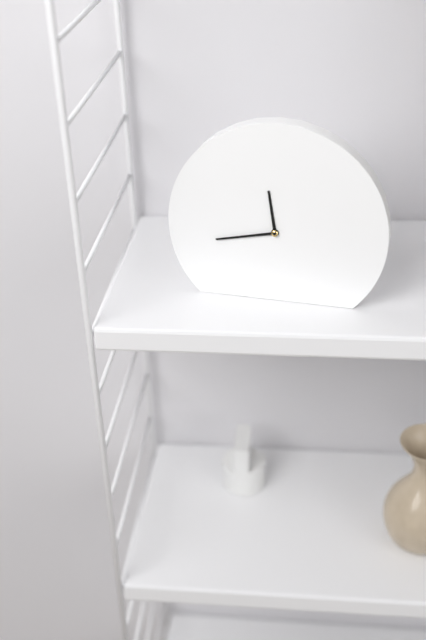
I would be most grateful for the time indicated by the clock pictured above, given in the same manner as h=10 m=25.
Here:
h=11 m=43
